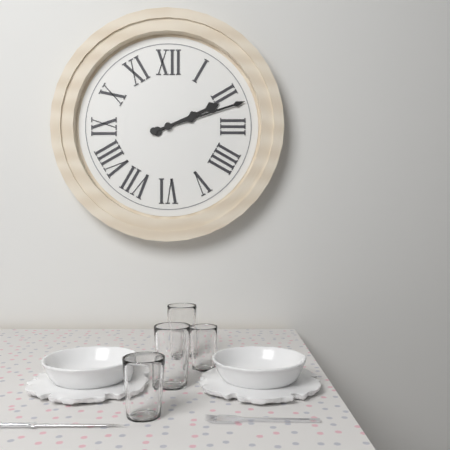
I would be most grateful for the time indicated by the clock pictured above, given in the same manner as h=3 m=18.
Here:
h=2 m=12
